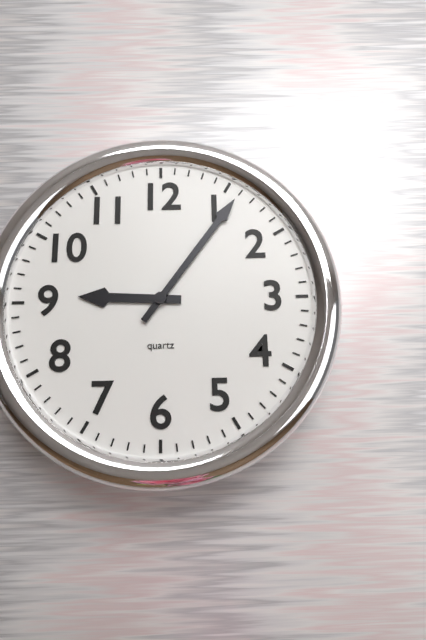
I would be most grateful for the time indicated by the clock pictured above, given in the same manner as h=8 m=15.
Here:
h=9 m=6
